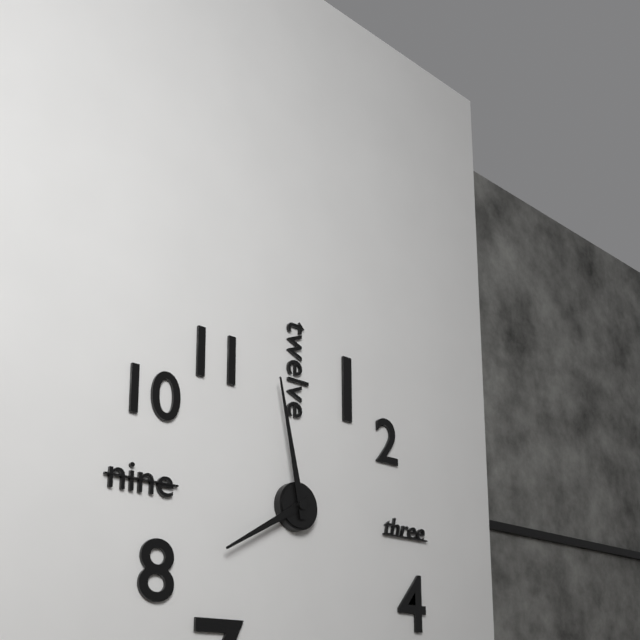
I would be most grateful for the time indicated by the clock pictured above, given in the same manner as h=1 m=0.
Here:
h=7 m=58
